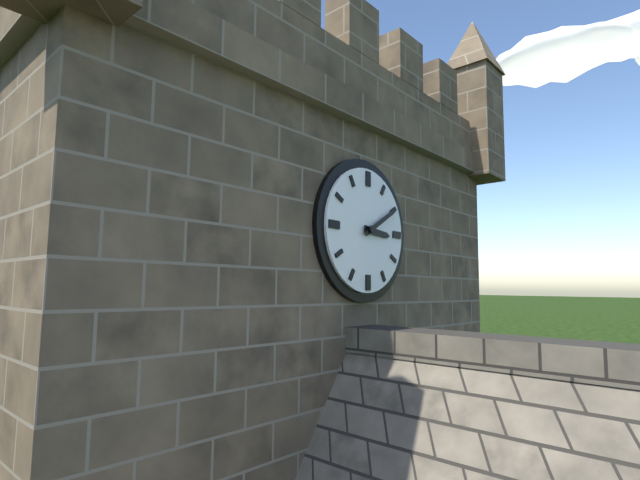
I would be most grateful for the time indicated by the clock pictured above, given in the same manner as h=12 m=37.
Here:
h=3 m=10
